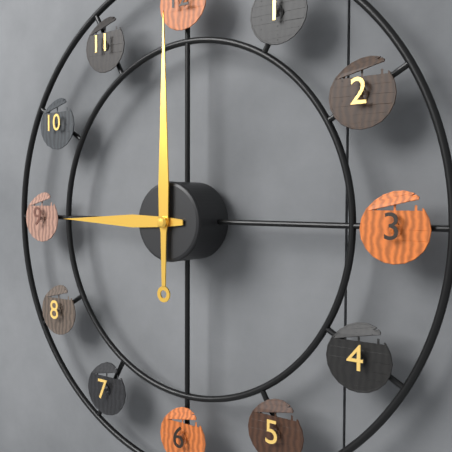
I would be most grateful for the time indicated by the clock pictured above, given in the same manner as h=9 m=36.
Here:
h=9 m=0
